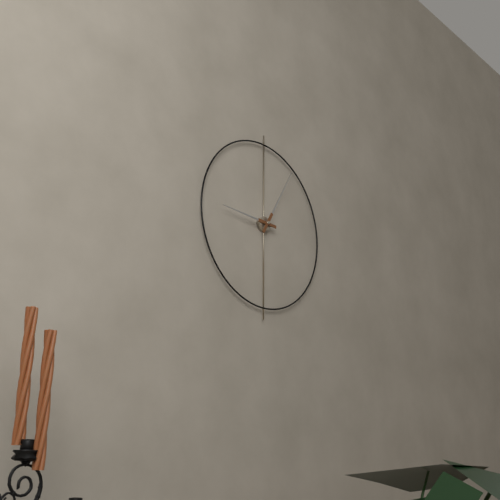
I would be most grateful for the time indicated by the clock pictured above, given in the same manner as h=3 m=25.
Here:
h=9 m=5
